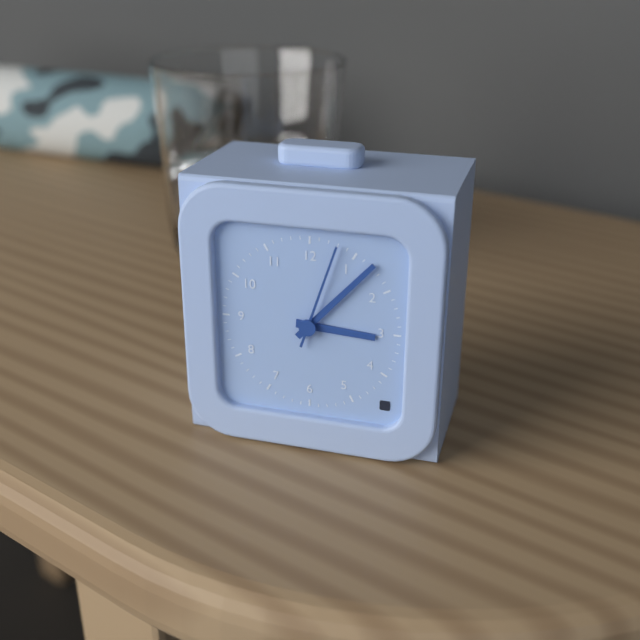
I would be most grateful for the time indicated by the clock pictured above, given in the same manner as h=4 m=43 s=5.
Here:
h=3 m=7 s=3
